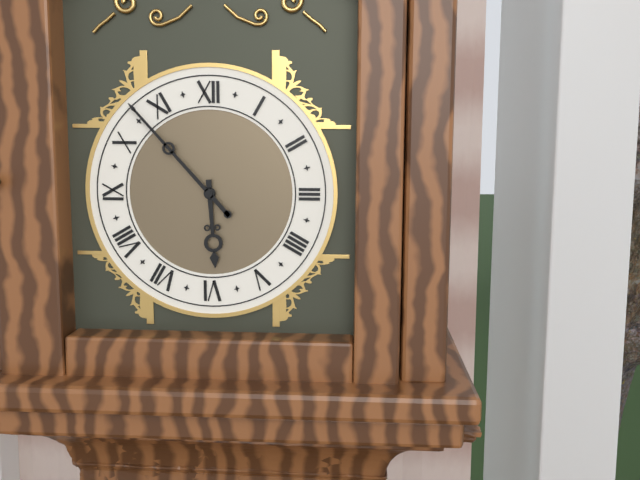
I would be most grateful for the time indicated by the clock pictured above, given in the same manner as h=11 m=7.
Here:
h=5 m=53
